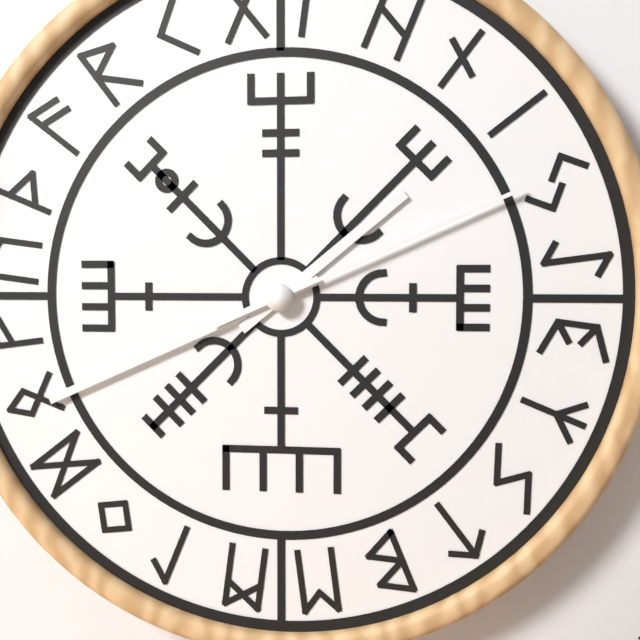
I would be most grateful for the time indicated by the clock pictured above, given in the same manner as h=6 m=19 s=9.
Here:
h=1 m=41 s=11
